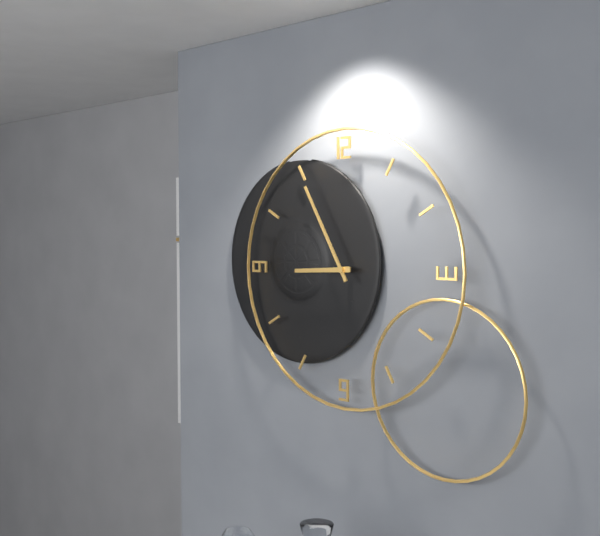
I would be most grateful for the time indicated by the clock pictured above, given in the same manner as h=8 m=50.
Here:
h=8 m=55
